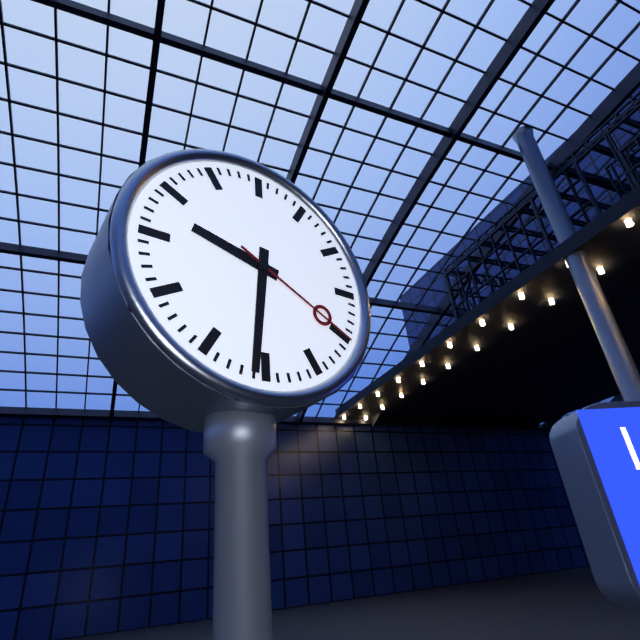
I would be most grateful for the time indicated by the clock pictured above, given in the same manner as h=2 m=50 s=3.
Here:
h=9 m=31 s=20
